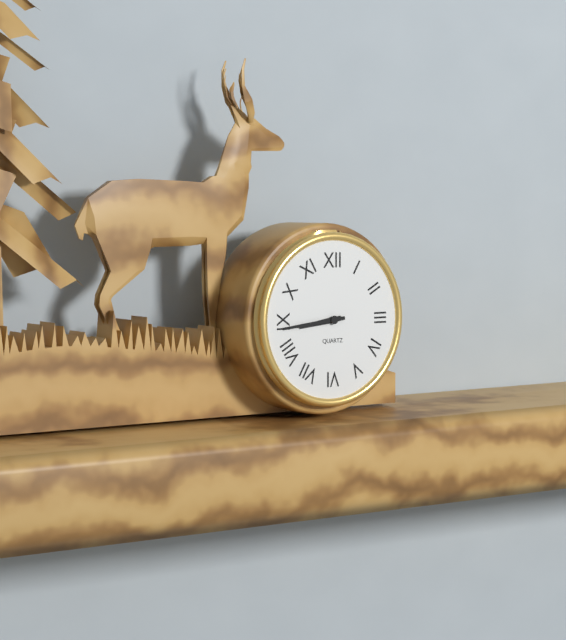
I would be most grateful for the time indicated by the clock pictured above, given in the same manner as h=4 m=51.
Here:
h=8 m=44
